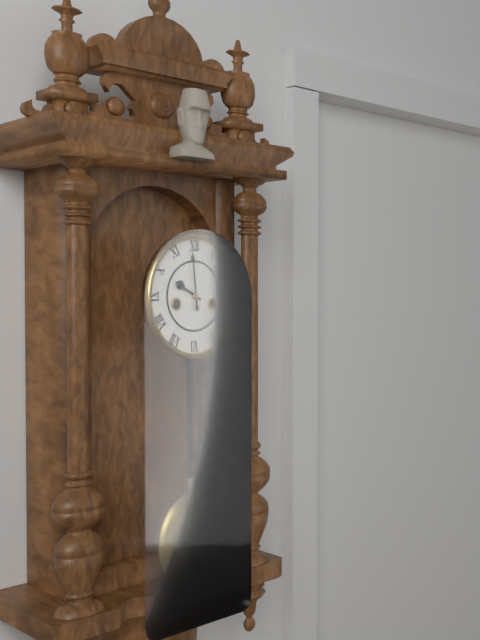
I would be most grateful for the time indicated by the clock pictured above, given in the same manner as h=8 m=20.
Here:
h=9 m=59
